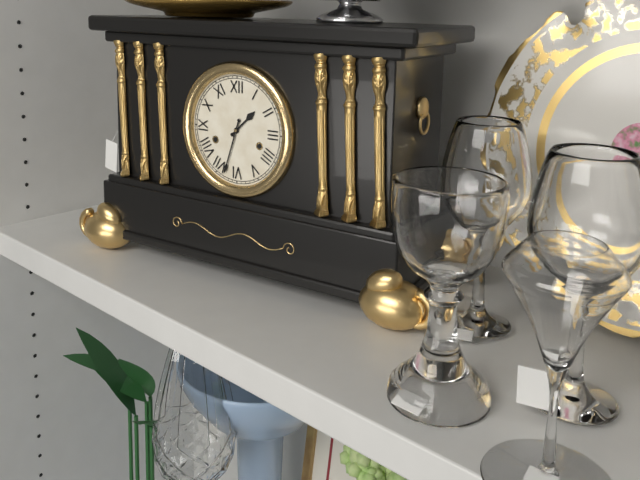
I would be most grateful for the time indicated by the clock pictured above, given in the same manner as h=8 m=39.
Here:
h=1 m=33
